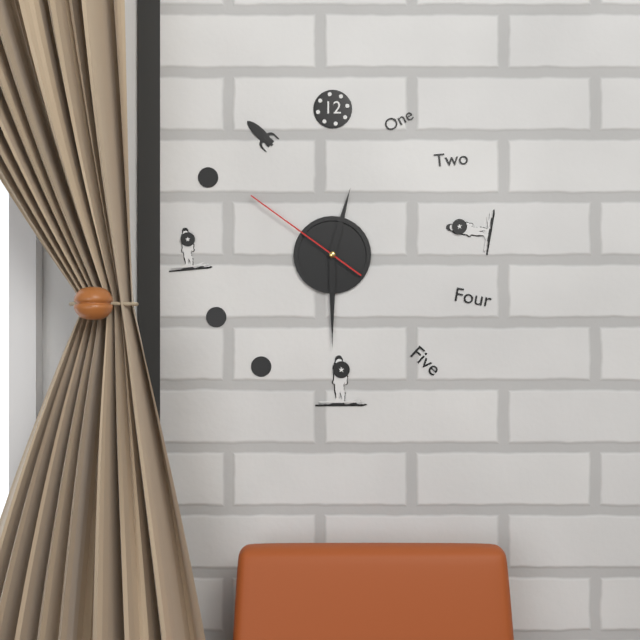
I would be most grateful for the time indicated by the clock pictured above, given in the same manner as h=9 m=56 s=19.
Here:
h=12 m=30 s=51
